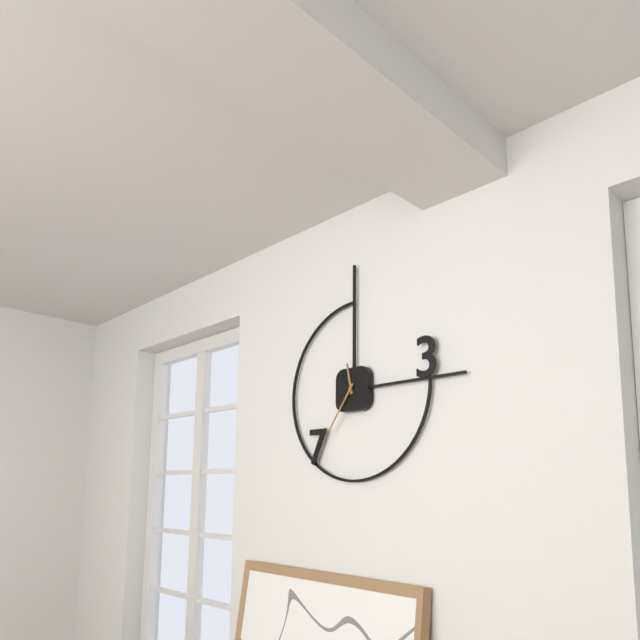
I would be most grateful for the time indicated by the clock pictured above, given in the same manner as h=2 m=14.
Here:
h=11 m=36
